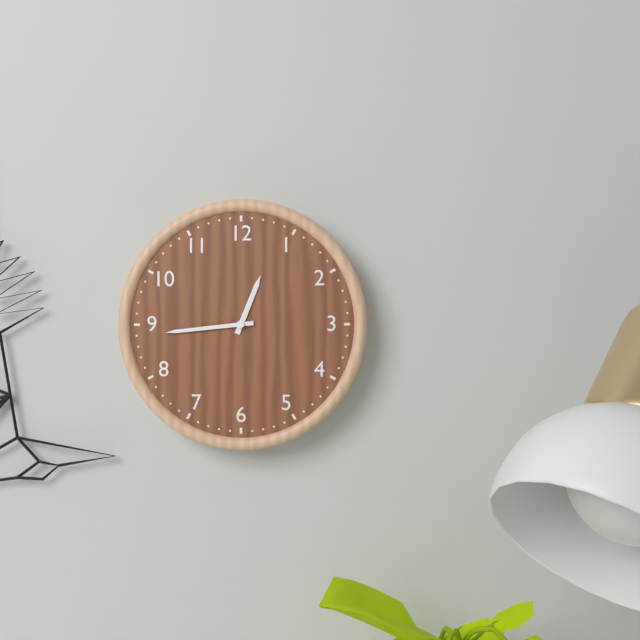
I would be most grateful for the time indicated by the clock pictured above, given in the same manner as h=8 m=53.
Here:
h=12 m=44
